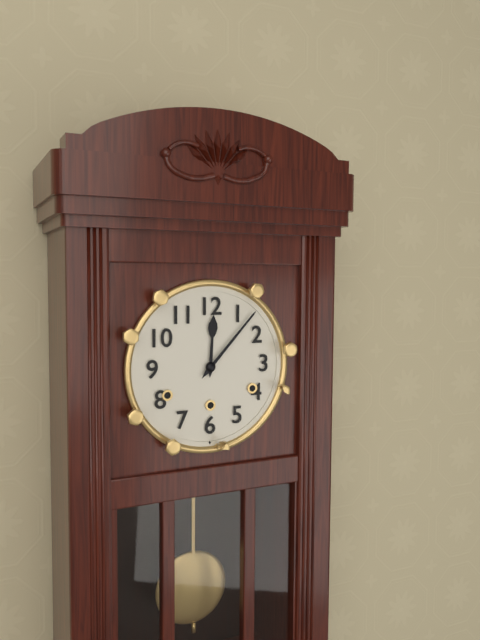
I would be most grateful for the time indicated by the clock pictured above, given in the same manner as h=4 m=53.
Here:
h=12 m=7
